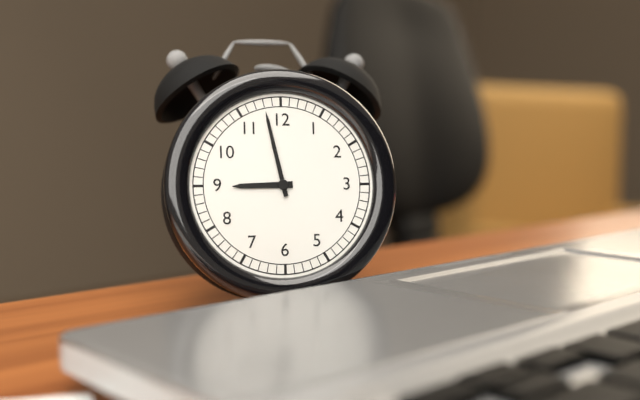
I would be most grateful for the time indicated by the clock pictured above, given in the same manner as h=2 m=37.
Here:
h=8 m=58
